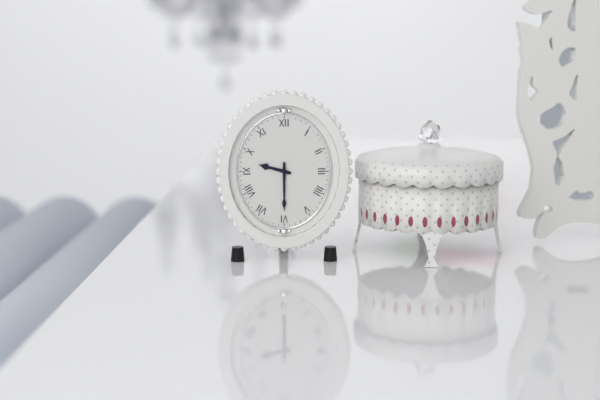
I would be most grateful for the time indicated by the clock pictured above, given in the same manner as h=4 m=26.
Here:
h=9 m=30
